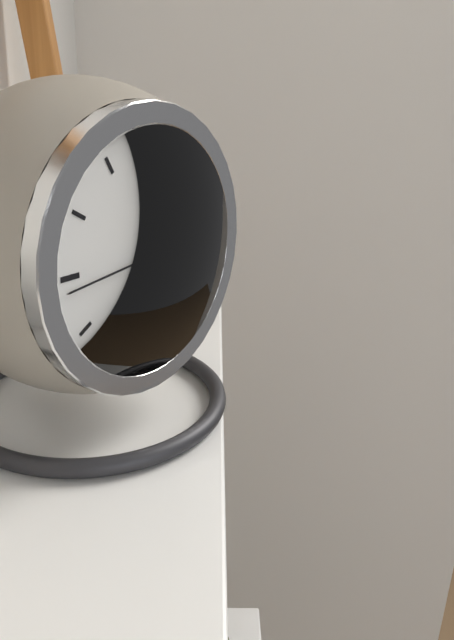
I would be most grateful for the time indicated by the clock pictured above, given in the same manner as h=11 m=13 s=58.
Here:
h=1 m=1 s=44
